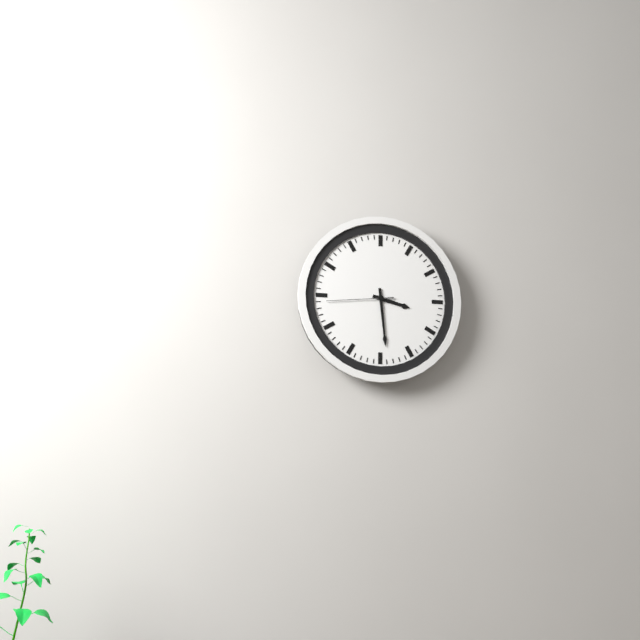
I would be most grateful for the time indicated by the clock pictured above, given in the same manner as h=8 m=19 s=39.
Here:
h=3 m=29 s=44
